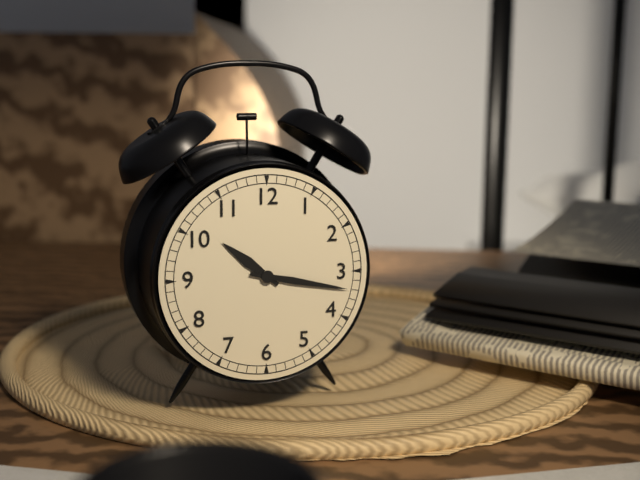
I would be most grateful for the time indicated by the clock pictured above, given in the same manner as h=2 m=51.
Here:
h=10 m=17
